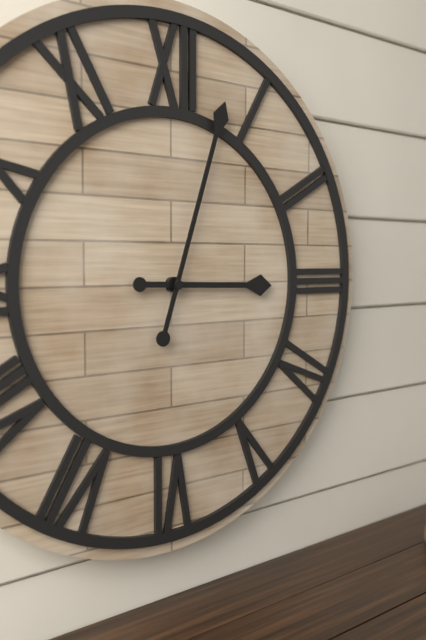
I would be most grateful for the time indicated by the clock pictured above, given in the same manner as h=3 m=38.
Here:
h=3 m=3
